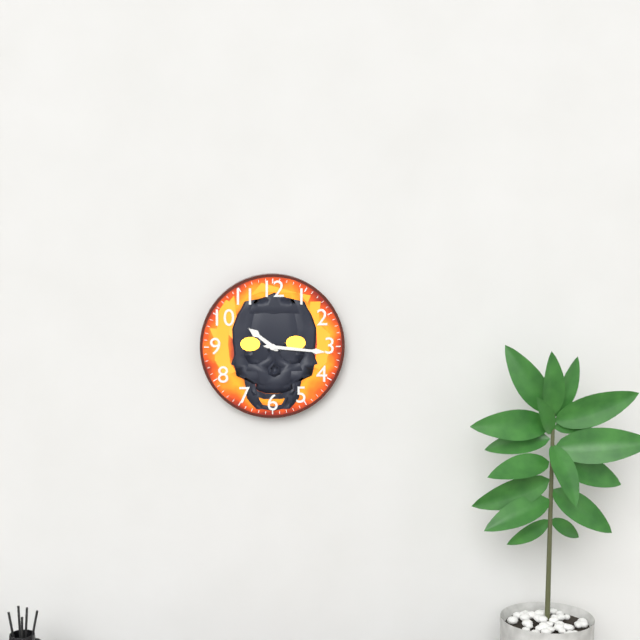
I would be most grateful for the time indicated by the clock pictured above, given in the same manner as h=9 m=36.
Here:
h=10 m=16
